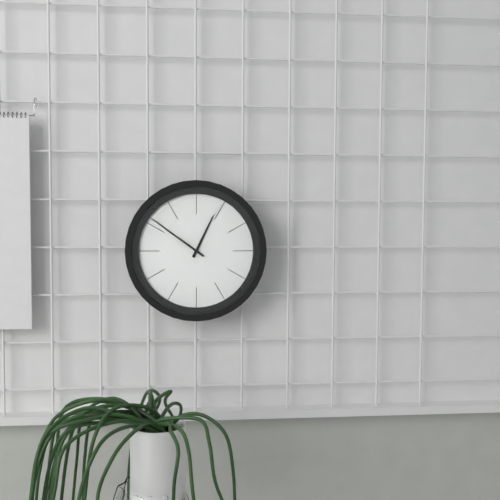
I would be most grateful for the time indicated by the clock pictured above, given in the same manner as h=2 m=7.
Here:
h=12 m=51
